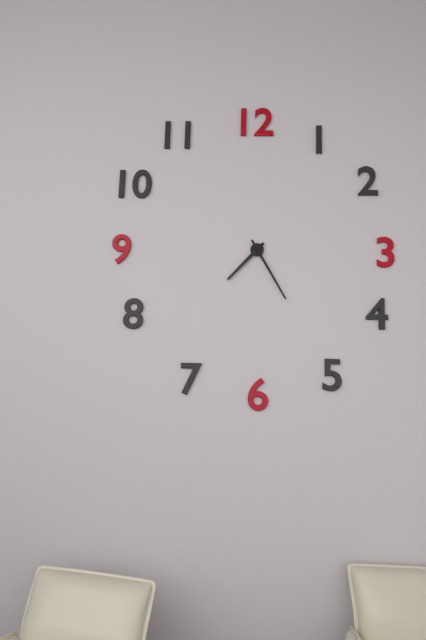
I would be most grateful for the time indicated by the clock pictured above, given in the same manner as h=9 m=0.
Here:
h=7 m=25
